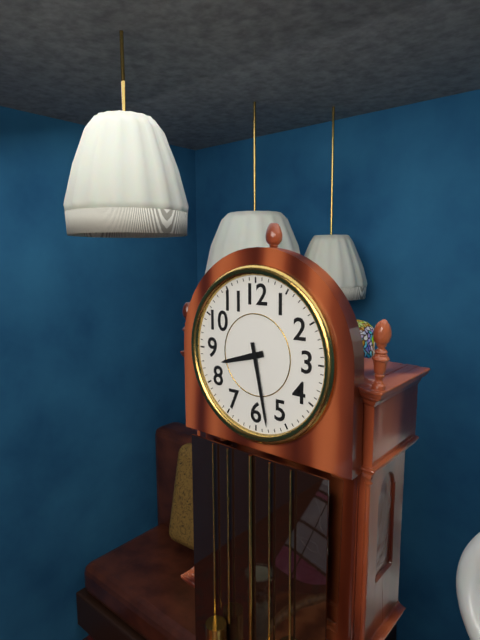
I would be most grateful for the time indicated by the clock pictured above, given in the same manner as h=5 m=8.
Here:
h=8 m=28
